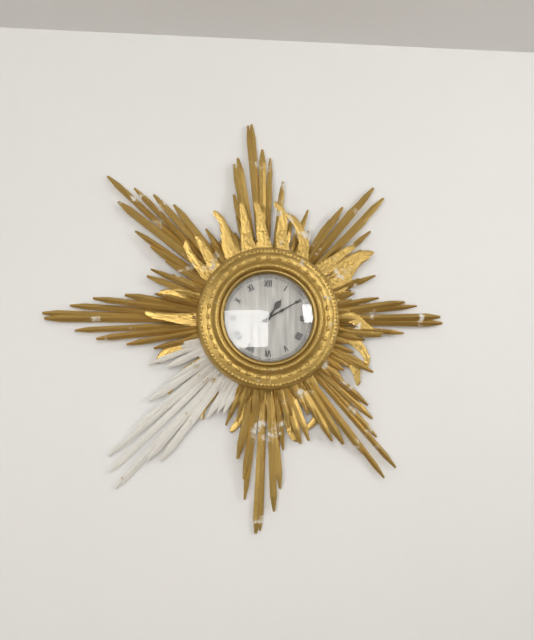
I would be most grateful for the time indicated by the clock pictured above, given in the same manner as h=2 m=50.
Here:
h=1 m=10
